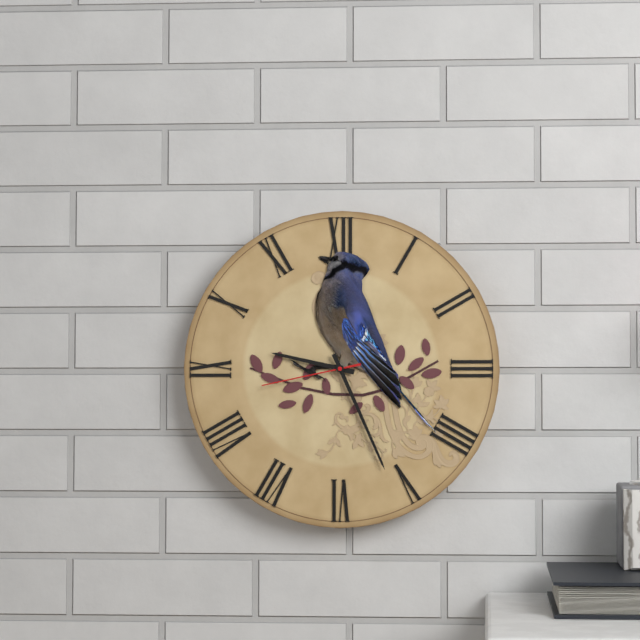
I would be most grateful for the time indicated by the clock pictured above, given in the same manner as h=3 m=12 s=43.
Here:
h=9 m=26 s=43
